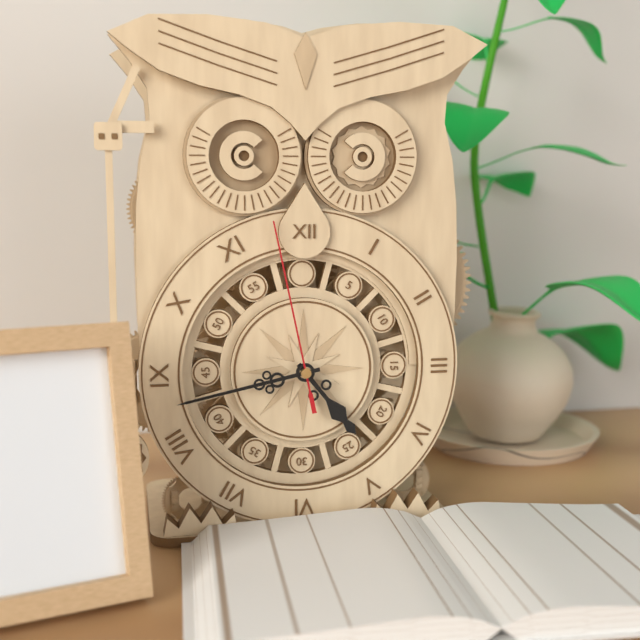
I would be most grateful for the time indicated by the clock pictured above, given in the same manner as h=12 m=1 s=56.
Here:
h=4 m=43 s=58
